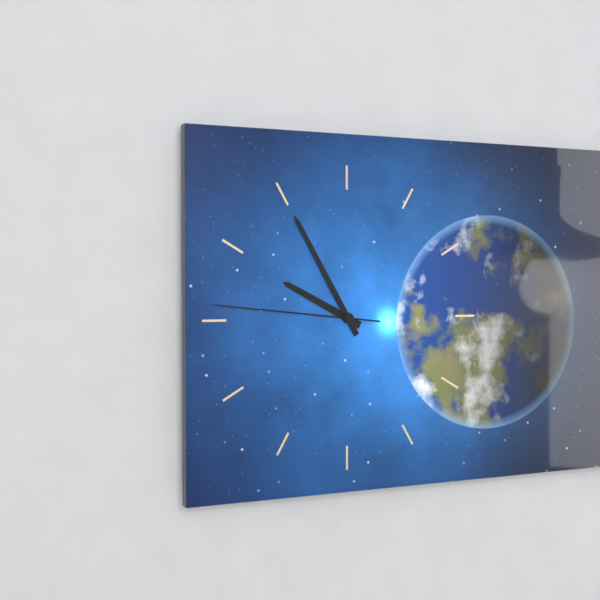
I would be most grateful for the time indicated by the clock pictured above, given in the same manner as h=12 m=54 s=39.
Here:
h=9 m=55 s=46
